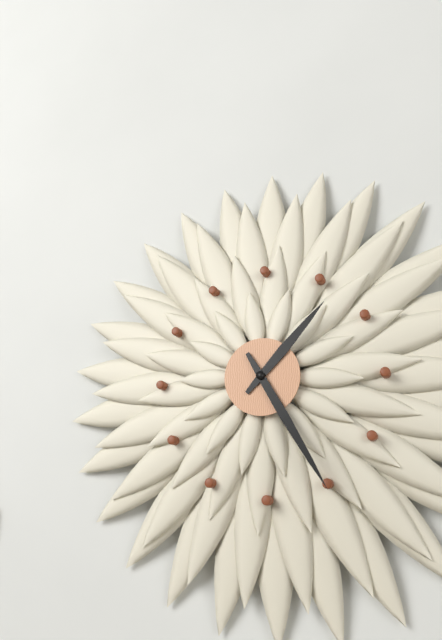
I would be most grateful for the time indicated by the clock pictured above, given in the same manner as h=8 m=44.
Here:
h=1 m=25
